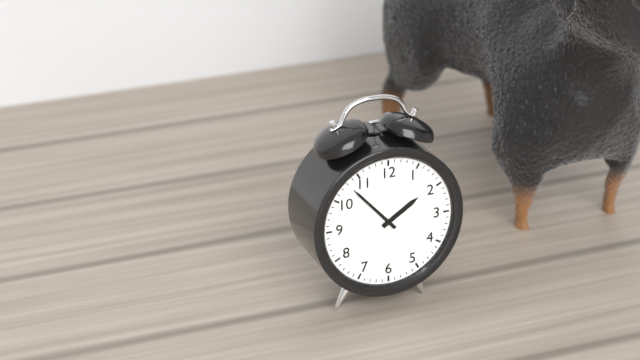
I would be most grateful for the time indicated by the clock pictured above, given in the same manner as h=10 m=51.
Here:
h=1 m=53
